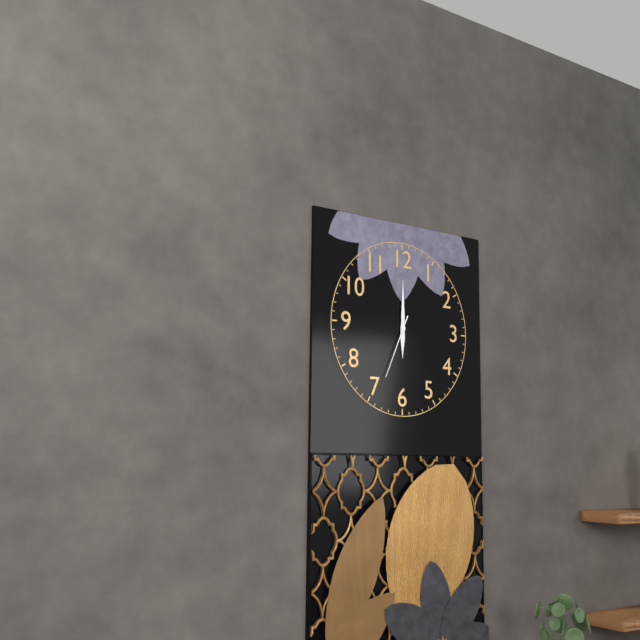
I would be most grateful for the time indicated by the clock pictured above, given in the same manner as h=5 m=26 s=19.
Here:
h=6 m=0 s=34
